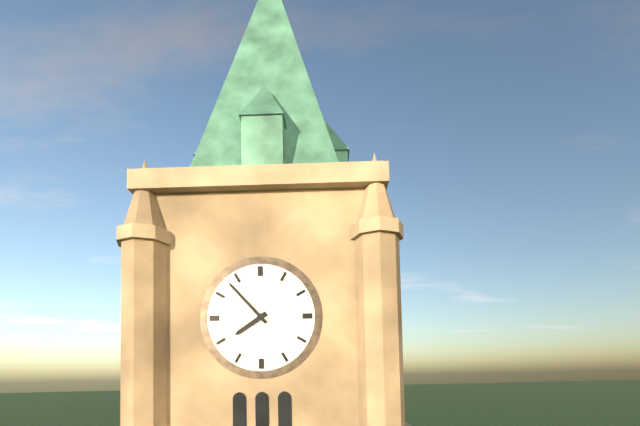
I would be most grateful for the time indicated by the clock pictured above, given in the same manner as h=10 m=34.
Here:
h=7 m=53
